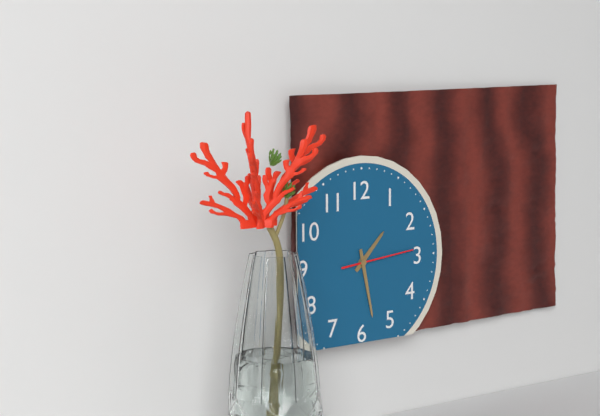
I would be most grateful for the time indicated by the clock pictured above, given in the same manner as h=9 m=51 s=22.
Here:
h=1 m=28 s=14
